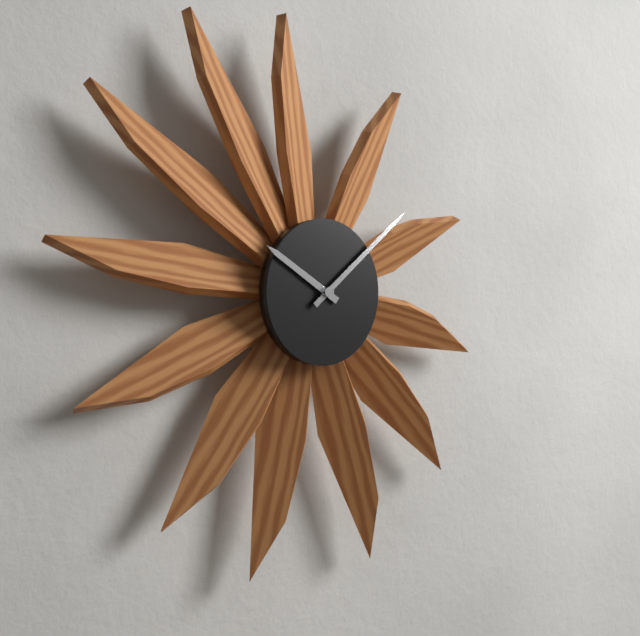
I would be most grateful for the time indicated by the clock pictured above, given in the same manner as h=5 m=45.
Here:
h=10 m=8
